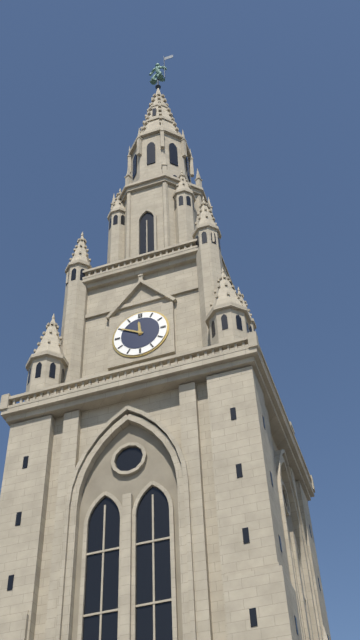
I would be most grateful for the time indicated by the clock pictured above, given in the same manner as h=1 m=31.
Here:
h=11 m=50
